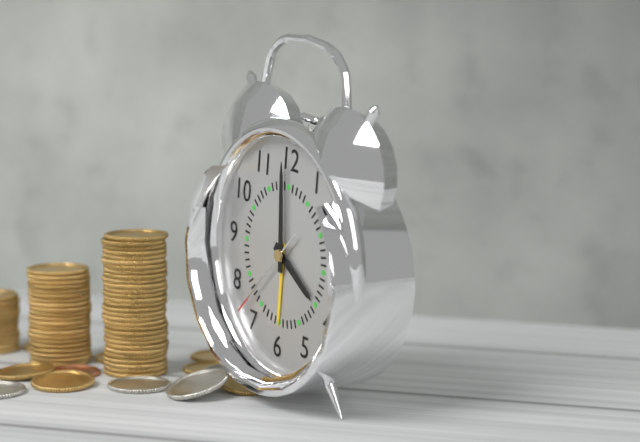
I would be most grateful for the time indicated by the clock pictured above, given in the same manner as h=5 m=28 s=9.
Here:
h=3 m=59 s=37
